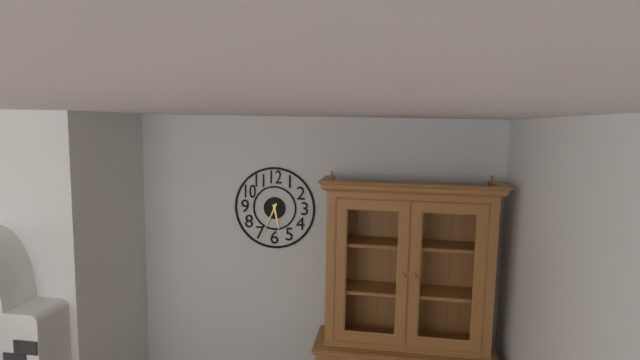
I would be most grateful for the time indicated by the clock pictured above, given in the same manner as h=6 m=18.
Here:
h=5 m=34
